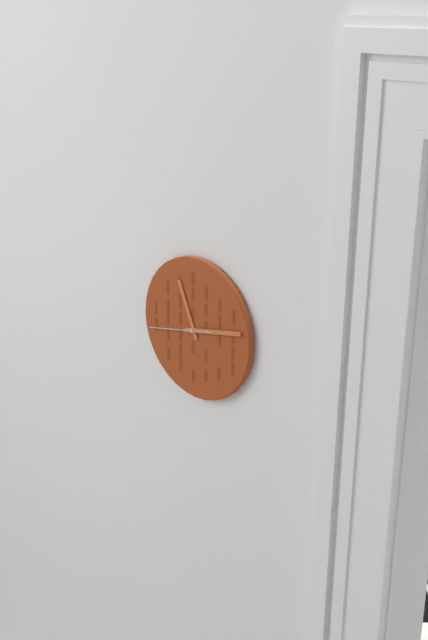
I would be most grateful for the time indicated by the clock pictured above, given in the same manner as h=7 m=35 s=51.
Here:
h=11 m=13 s=43
